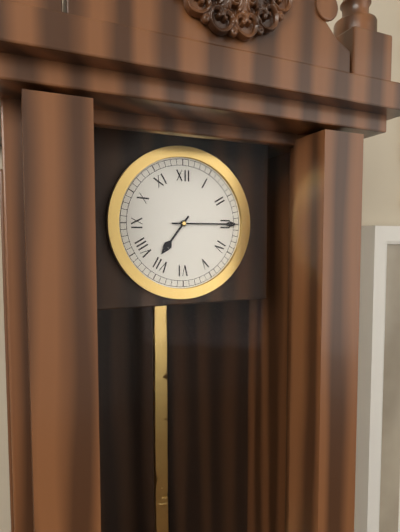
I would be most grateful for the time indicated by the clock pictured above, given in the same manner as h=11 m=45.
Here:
h=7 m=15
